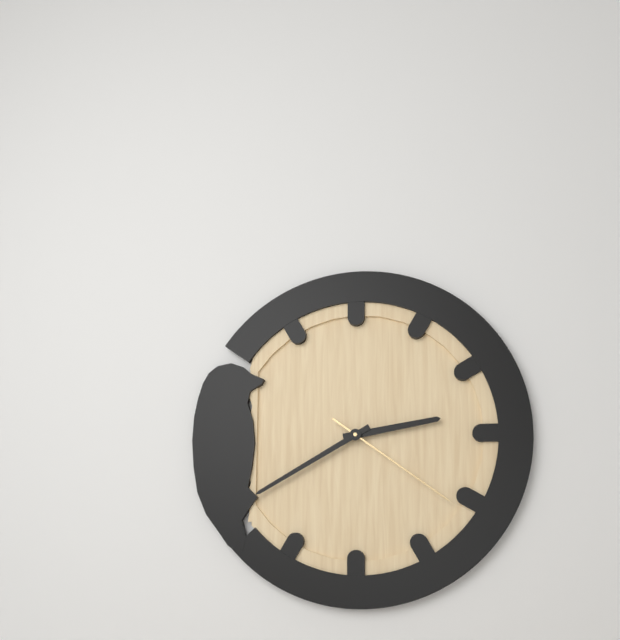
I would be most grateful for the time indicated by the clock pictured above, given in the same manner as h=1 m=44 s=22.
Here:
h=2 m=40 s=21
